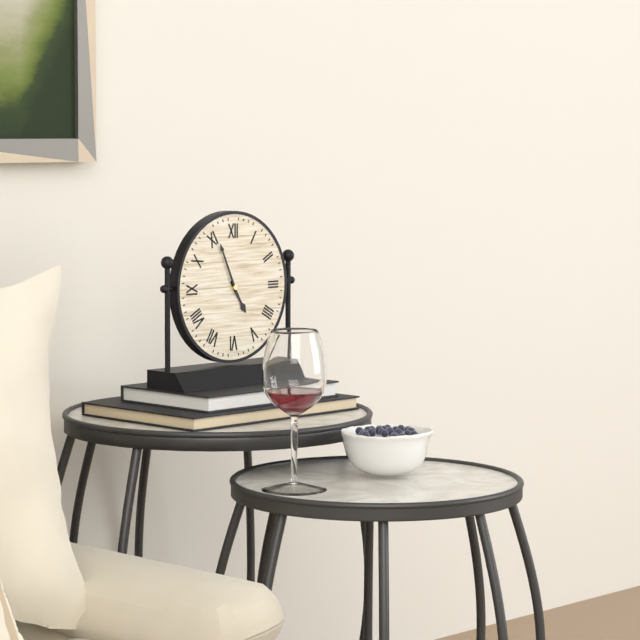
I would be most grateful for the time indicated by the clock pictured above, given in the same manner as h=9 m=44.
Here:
h=4 m=56
